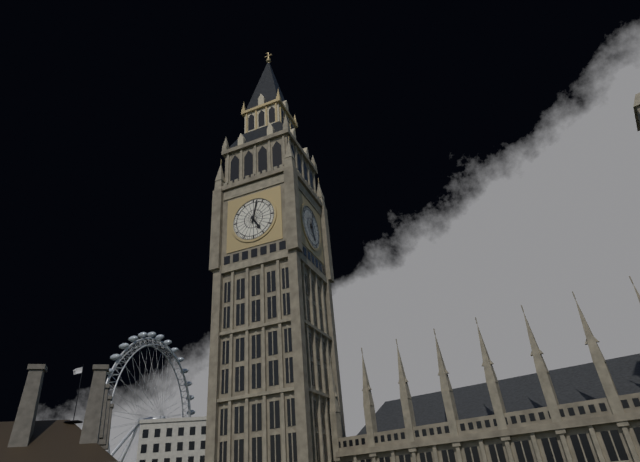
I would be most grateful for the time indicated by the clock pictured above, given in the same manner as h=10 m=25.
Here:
h=5 m=2
